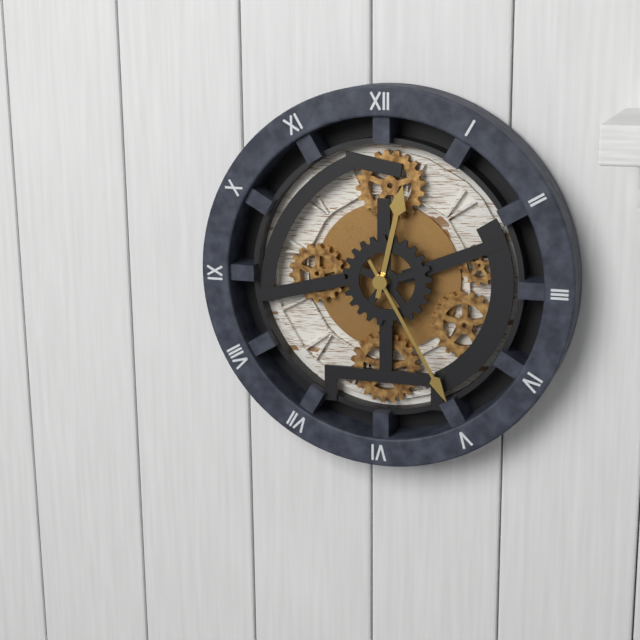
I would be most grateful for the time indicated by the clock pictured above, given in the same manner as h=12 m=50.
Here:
h=12 m=25
